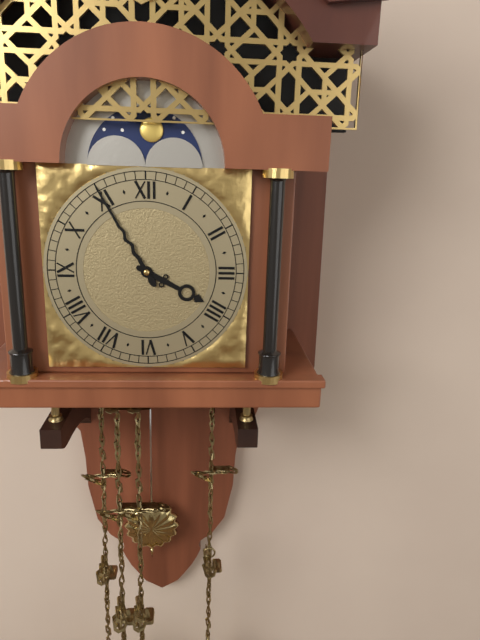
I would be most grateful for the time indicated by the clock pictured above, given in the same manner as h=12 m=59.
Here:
h=3 m=55
